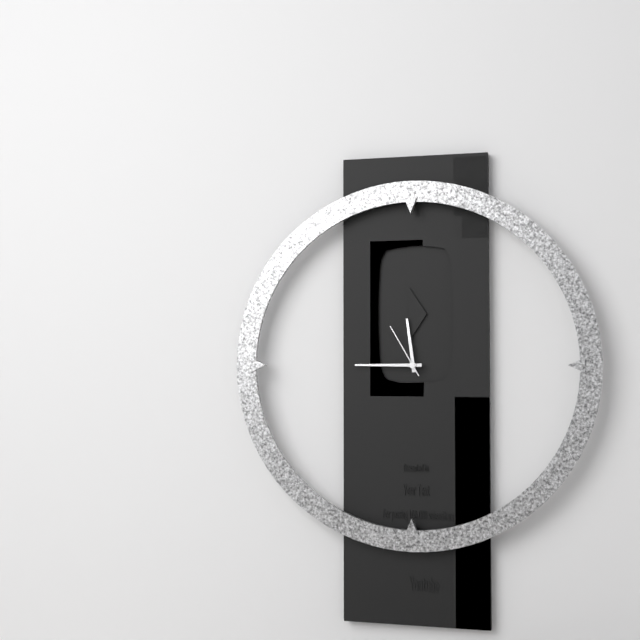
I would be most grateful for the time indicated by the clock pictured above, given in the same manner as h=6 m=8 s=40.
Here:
h=11 m=45 s=55
